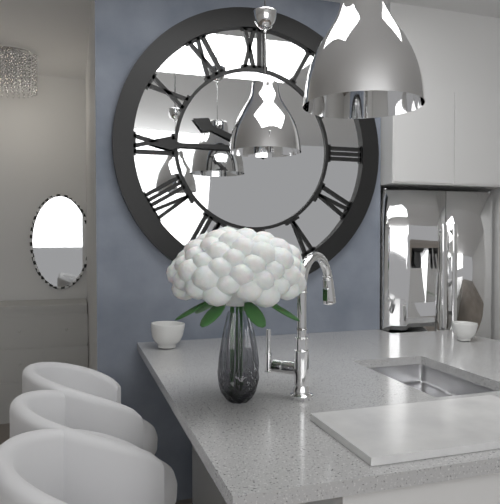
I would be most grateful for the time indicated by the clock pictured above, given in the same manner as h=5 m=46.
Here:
h=9 m=45
